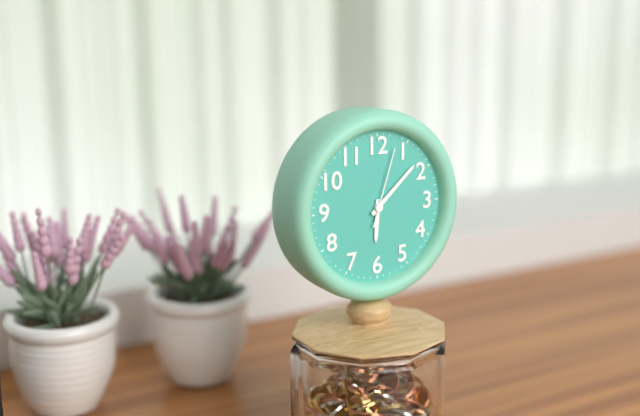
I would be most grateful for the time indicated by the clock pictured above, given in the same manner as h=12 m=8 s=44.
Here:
h=6 m=8 s=3
